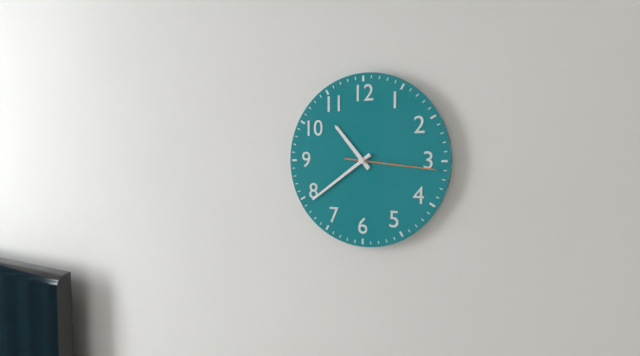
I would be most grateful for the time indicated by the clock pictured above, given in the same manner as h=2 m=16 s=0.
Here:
h=10 m=39 s=16
